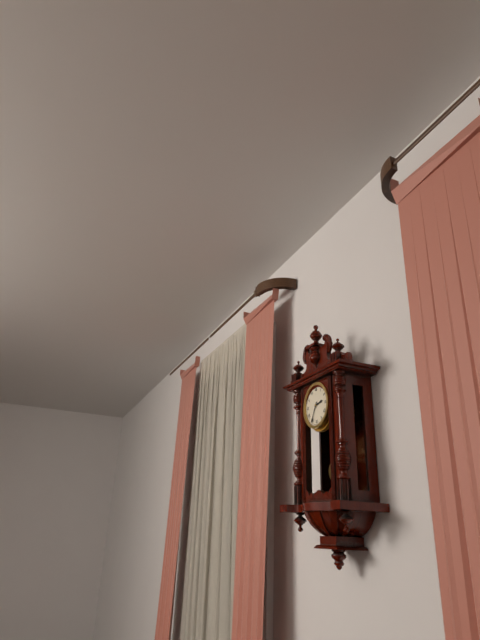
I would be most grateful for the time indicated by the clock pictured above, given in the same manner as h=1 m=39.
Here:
h=2 m=35
